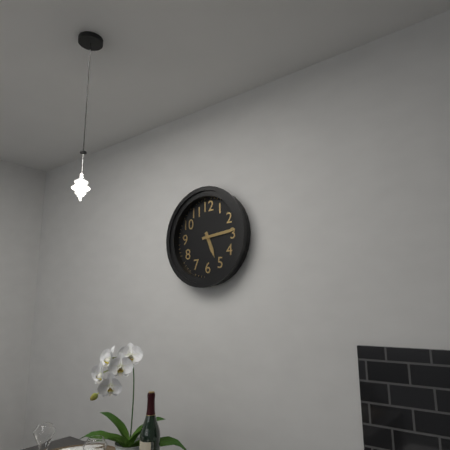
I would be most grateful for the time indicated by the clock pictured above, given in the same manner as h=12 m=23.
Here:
h=5 m=14
